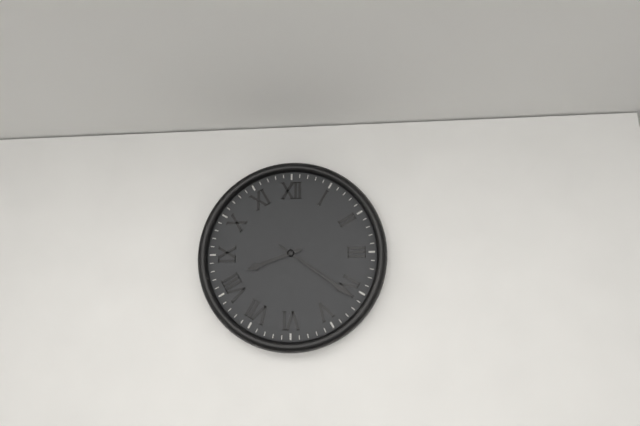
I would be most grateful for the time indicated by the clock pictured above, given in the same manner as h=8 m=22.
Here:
h=8 m=21
